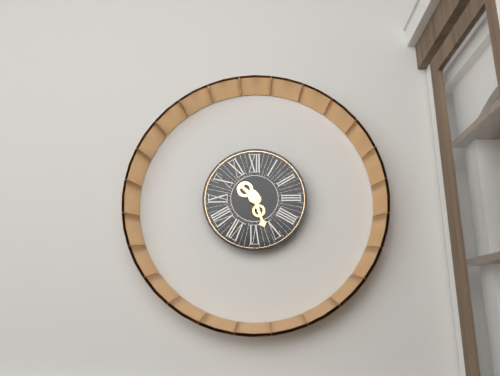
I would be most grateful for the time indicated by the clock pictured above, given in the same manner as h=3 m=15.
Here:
h=10 m=27
